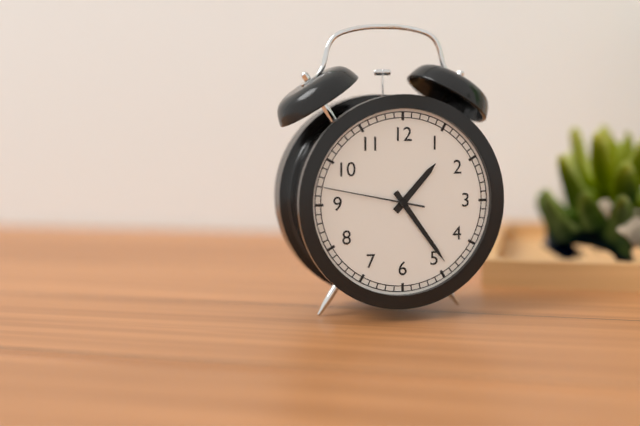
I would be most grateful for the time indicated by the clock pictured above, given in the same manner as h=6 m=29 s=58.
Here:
h=1 m=24 s=47
